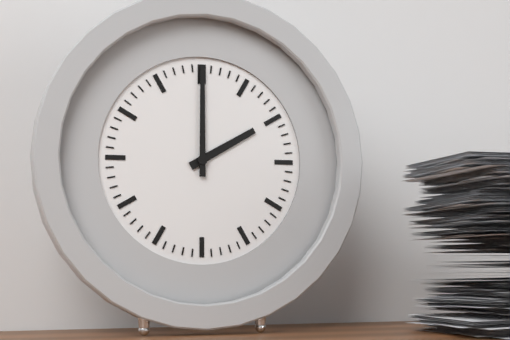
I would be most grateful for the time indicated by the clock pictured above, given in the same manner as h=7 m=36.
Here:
h=2 m=0
